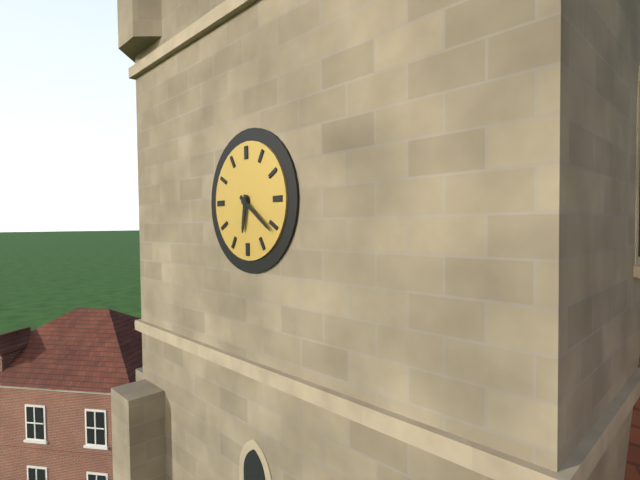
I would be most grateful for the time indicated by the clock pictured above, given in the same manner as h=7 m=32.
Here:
h=6 m=21
